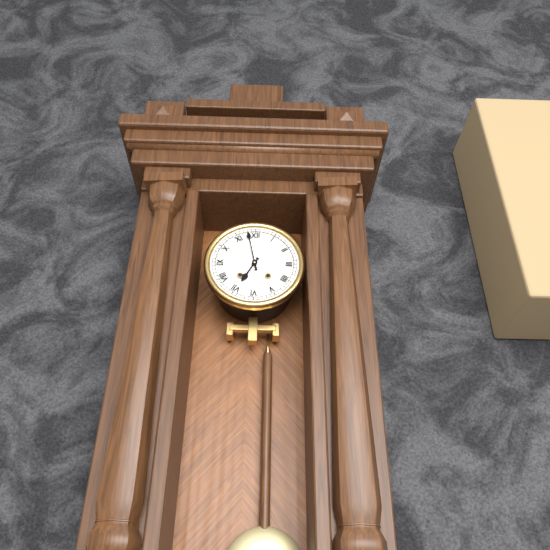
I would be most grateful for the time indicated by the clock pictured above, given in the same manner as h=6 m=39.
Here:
h=6 m=58
